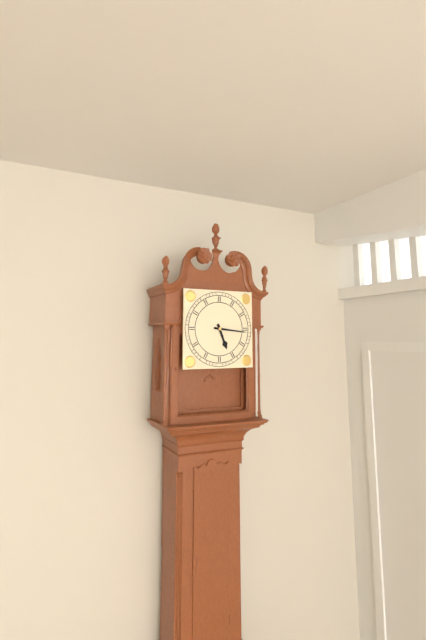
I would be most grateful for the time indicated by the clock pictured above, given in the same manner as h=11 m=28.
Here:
h=5 m=16
